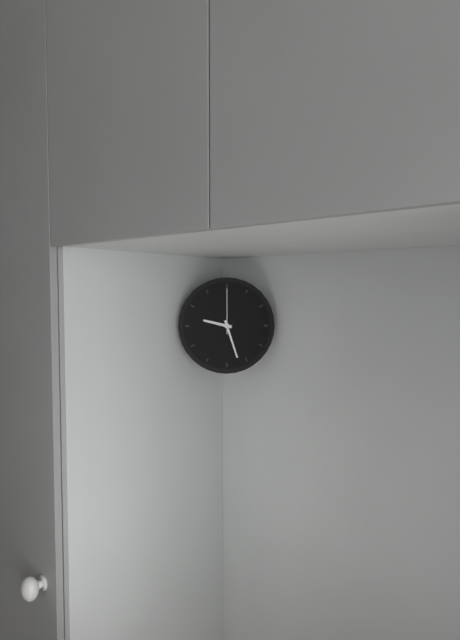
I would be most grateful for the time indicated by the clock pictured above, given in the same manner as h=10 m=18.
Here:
h=9 m=27
